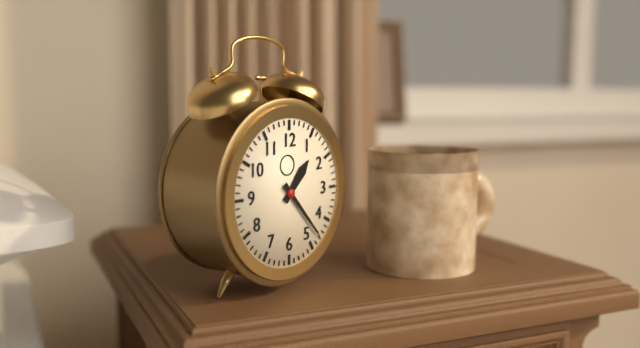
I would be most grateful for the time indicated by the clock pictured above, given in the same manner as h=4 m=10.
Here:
h=1 m=23
